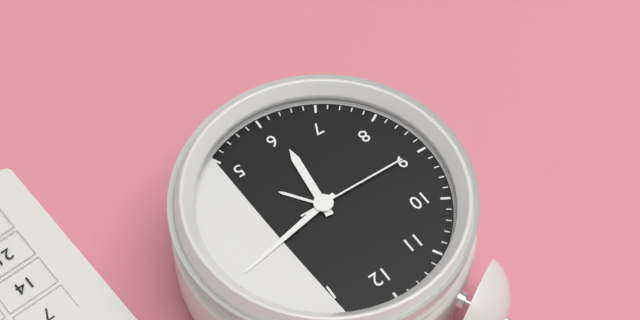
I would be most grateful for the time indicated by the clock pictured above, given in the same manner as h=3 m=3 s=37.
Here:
h=6 m=13 s=45
